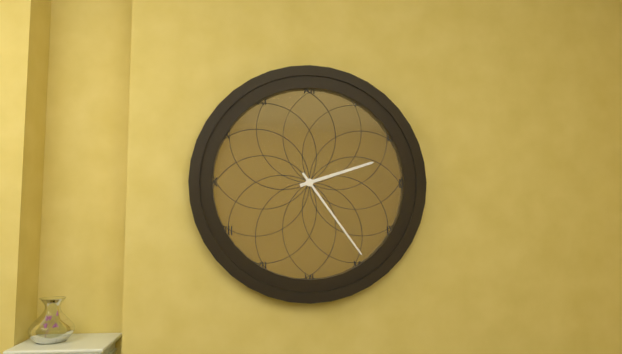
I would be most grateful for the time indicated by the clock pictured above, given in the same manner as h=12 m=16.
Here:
h=2 m=24
